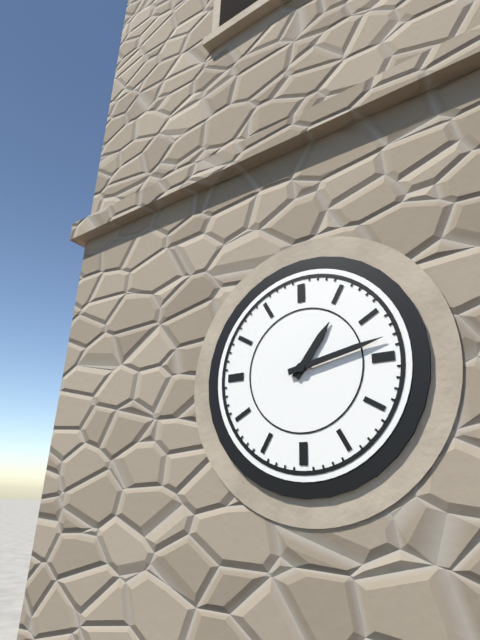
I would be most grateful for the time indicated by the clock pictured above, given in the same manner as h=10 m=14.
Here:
h=1 m=13
